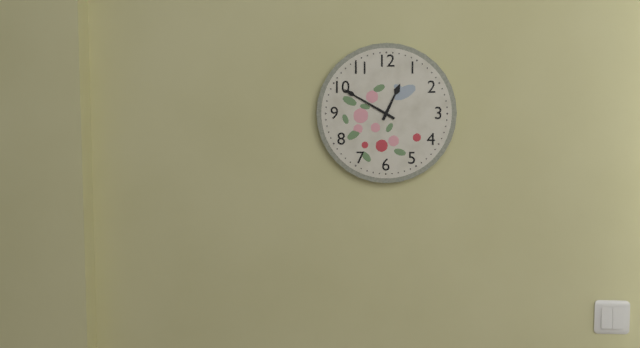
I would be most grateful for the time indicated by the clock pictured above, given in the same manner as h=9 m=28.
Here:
h=12 m=50
